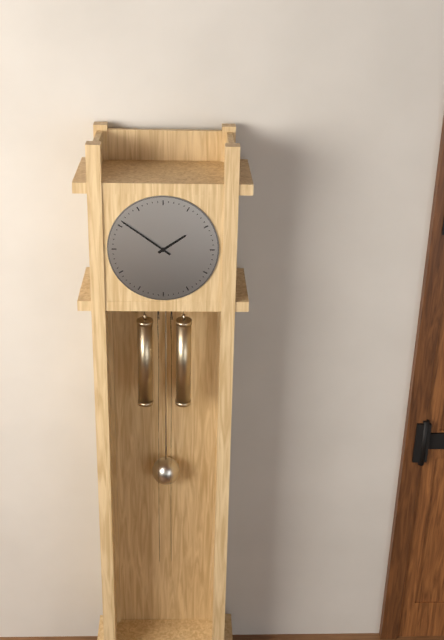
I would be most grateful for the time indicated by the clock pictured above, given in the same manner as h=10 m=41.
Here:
h=1 m=51
